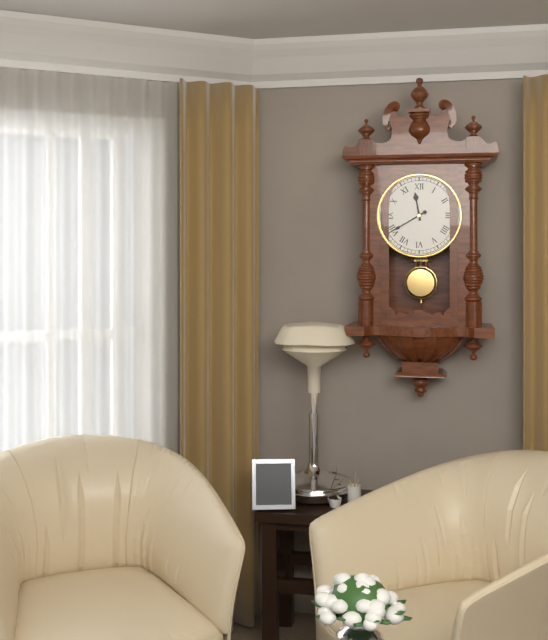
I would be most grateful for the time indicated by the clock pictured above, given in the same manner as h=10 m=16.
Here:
h=11 m=40
